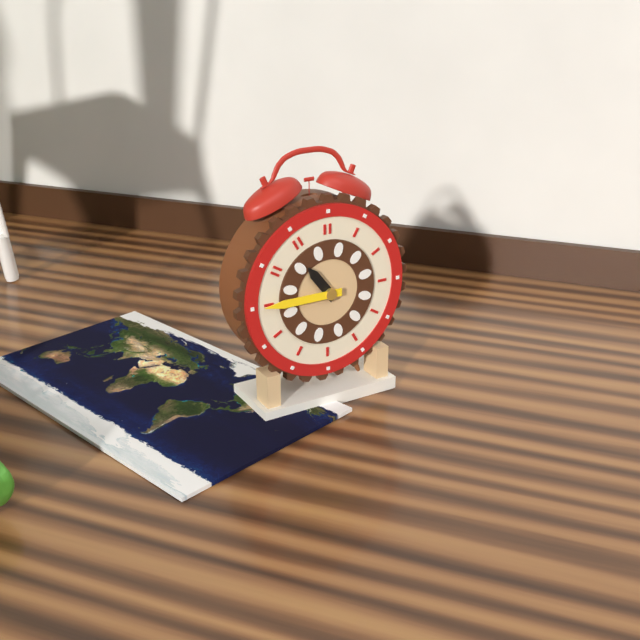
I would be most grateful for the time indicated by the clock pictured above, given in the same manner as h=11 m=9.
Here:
h=10 m=45
